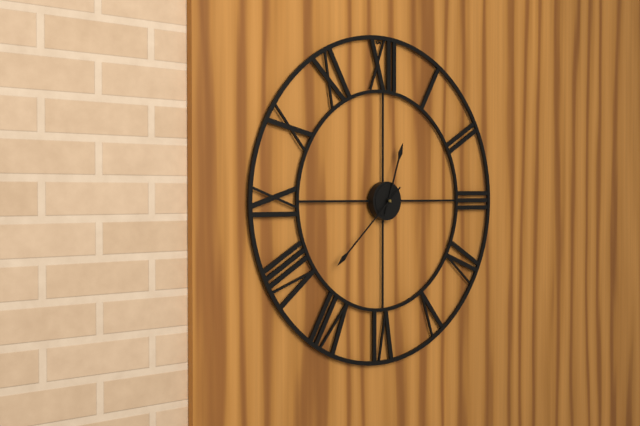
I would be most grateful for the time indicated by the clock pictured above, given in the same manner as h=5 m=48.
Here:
h=12 m=38
